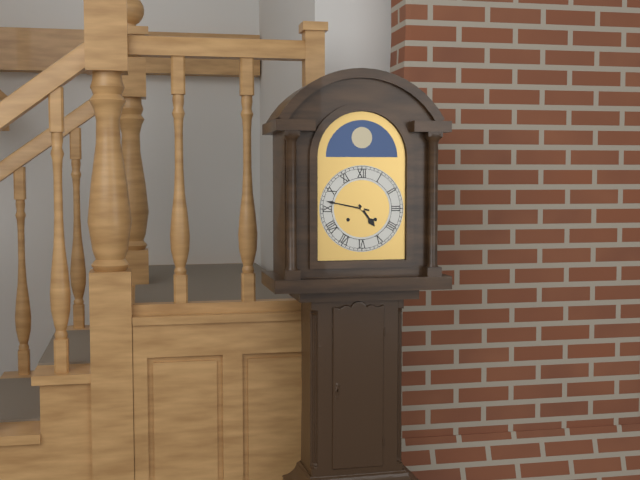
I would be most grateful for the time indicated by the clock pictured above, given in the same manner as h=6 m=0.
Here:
h=4 m=47
